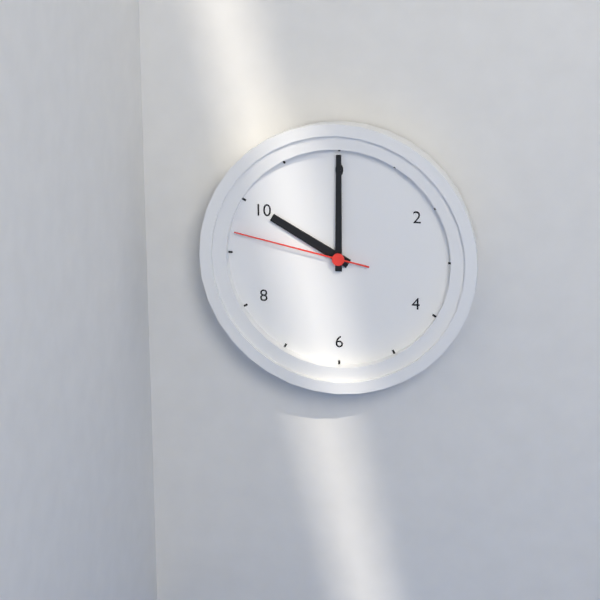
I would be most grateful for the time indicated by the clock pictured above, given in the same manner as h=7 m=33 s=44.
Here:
h=10 m=0 s=47
